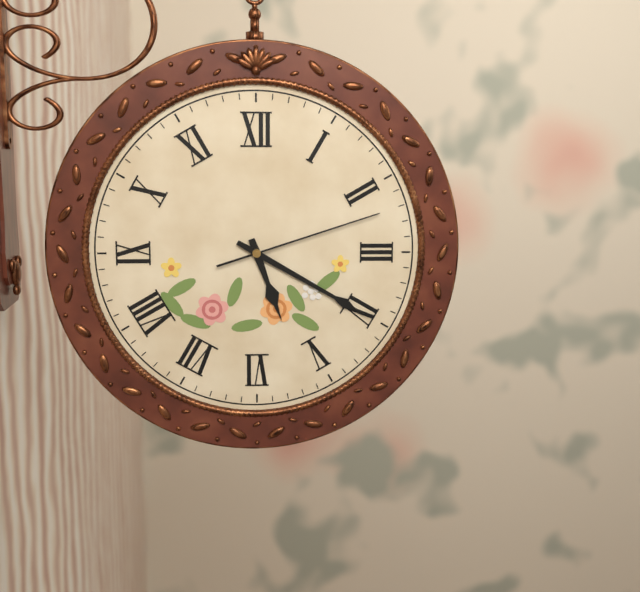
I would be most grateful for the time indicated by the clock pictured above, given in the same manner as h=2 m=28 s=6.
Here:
h=5 m=20 s=12
